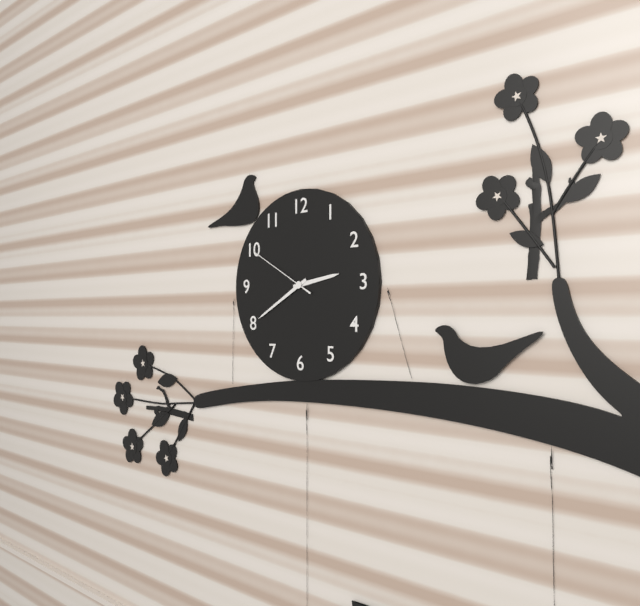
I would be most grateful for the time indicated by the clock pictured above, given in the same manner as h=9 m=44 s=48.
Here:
h=2 m=40 s=50
